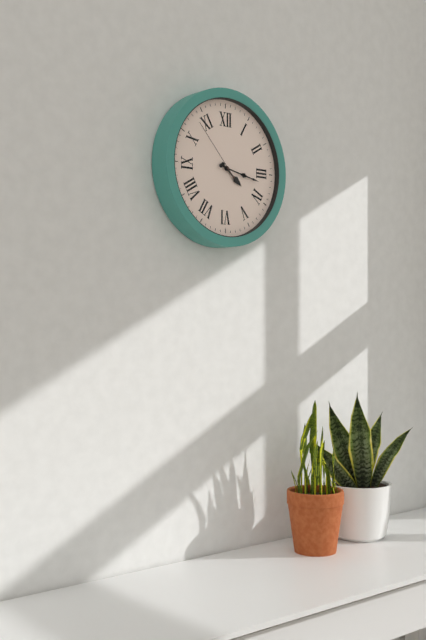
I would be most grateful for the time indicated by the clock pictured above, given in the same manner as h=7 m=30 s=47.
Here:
h=4 m=17 s=53
